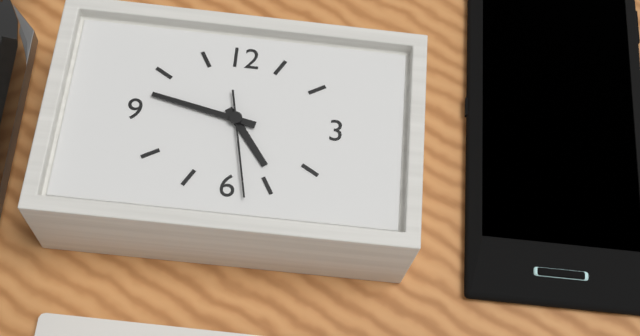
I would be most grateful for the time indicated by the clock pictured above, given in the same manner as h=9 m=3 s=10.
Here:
h=4 m=47 s=28
